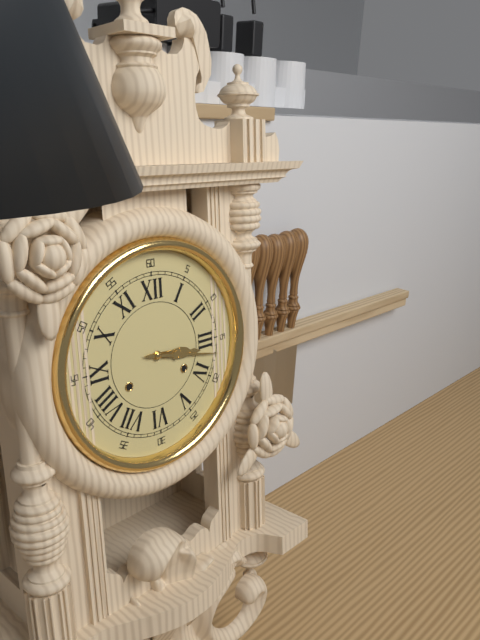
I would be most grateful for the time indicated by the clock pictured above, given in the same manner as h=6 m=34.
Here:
h=3 m=17
